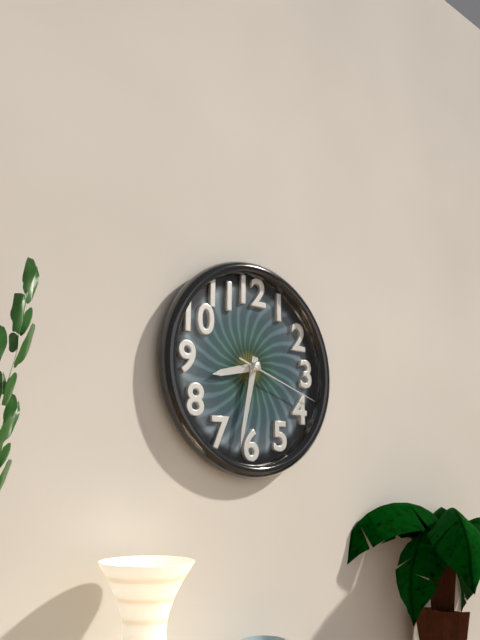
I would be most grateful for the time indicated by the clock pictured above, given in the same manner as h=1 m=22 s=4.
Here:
h=8 m=32 s=18
